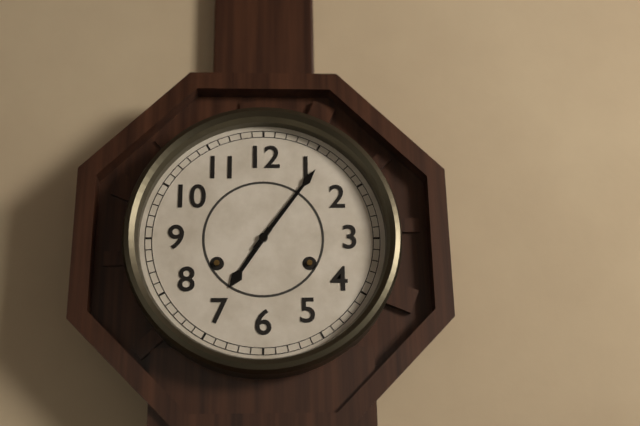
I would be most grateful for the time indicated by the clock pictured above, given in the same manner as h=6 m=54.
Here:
h=7 m=6
